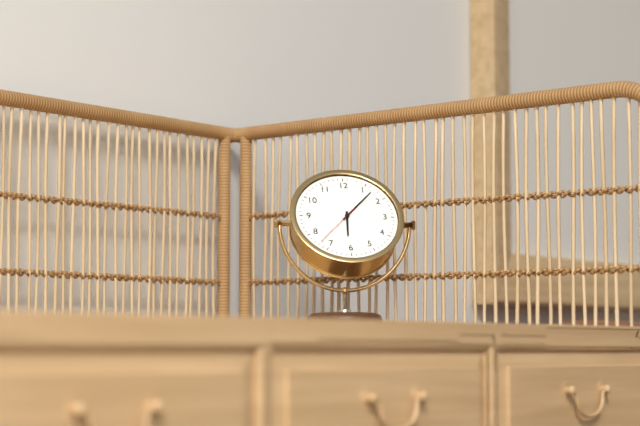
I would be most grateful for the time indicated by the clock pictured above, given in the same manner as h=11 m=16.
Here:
h=6 m=7
